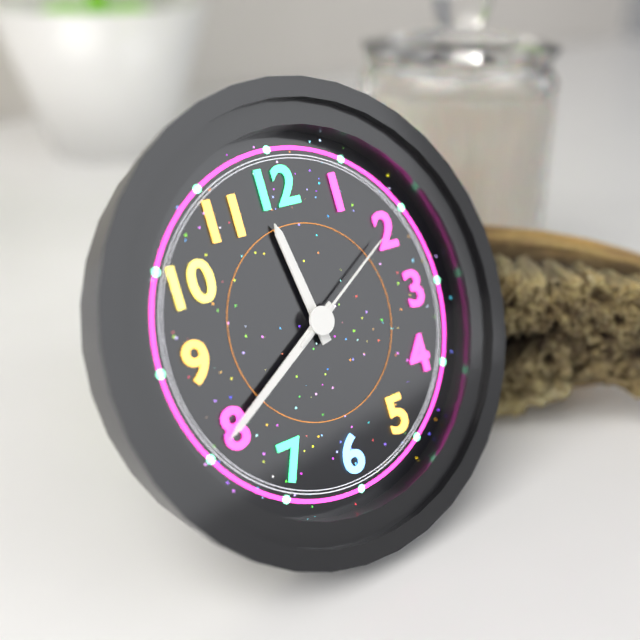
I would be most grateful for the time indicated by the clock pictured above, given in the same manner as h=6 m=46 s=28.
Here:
h=11 m=40 s=10
